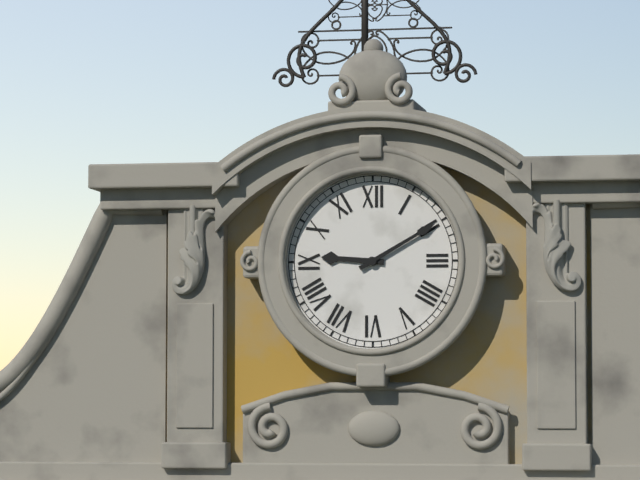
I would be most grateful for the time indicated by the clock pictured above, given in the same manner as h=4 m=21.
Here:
h=9 m=10
